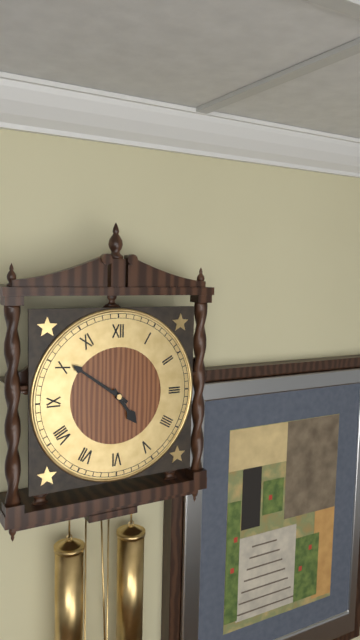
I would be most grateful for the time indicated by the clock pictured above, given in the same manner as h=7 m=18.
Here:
h=4 m=51
